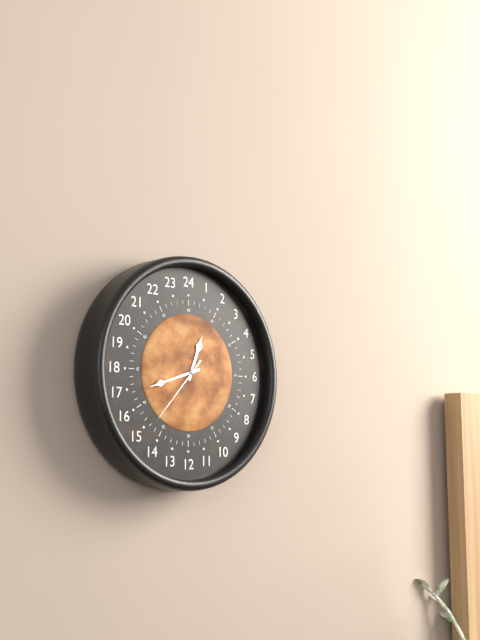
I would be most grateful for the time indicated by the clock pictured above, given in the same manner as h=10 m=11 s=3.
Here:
h=12 m=42 s=37
